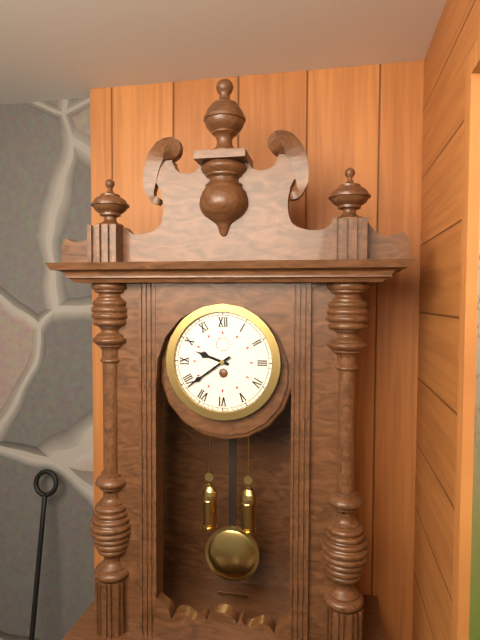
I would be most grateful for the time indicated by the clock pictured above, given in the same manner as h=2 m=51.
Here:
h=9 m=39
